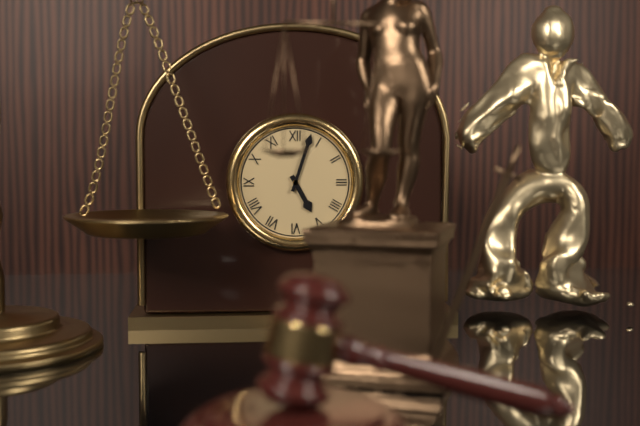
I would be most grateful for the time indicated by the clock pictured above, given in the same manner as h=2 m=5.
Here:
h=5 m=3
